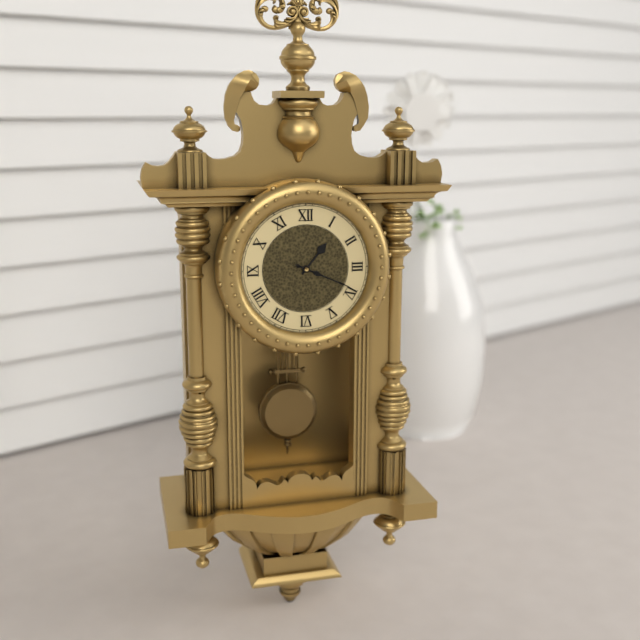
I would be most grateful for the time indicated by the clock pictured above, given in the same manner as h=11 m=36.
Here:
h=1 m=19
